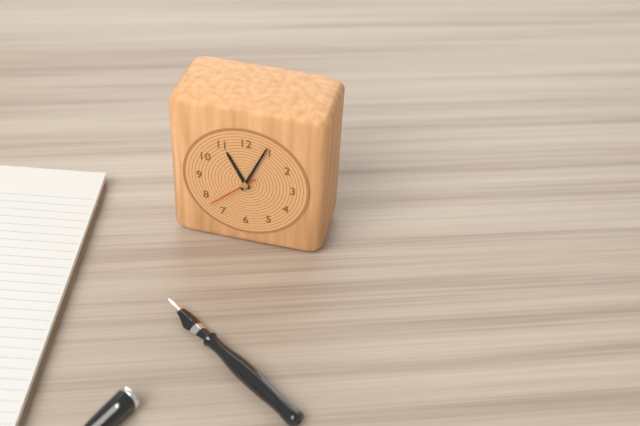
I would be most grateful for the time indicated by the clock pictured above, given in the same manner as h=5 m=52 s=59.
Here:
h=11 m=4 s=38
